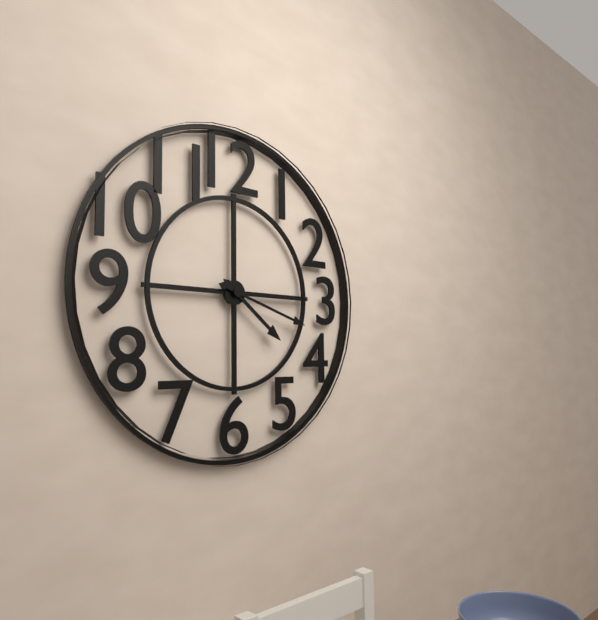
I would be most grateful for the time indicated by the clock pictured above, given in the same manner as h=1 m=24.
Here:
h=4 m=18
